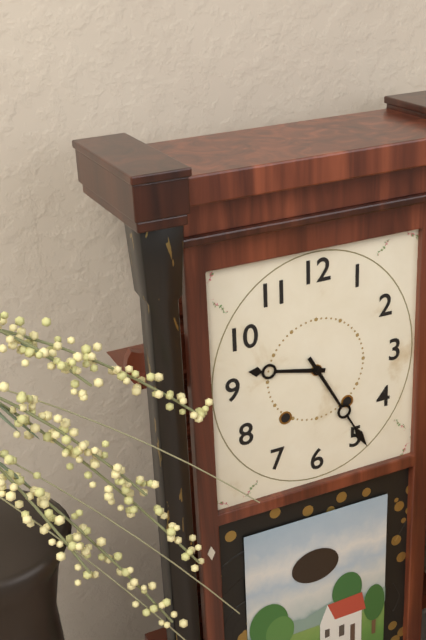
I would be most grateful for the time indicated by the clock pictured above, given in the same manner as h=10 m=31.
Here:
h=9 m=25
